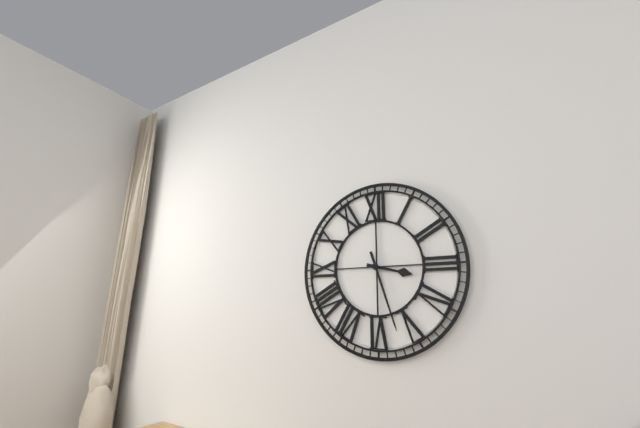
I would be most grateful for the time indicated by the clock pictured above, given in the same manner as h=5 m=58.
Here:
h=3 m=27
